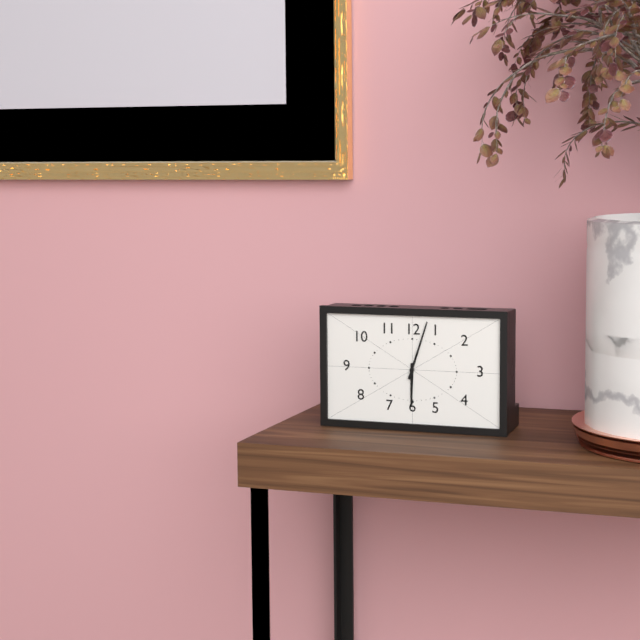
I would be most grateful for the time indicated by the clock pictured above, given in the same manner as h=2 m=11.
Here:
h=6 m=3
